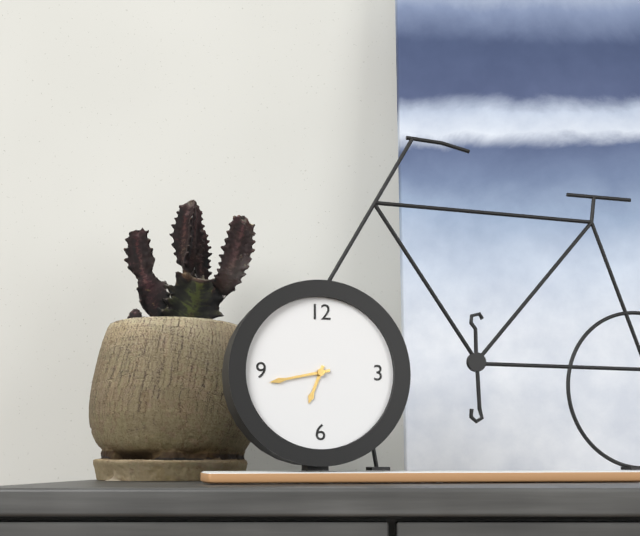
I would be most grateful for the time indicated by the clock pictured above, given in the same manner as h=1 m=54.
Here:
h=6 m=43
